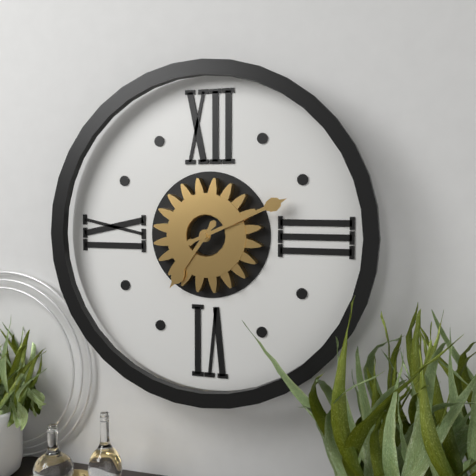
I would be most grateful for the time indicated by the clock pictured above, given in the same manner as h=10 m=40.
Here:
h=7 m=11
